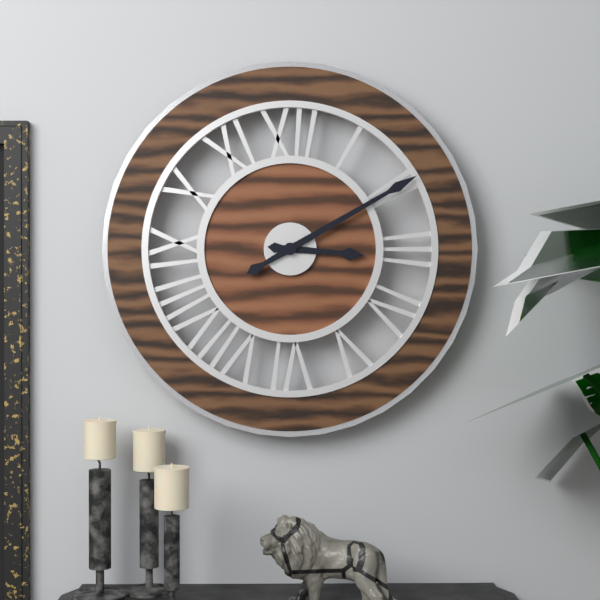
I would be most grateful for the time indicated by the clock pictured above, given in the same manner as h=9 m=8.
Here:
h=3 m=10
